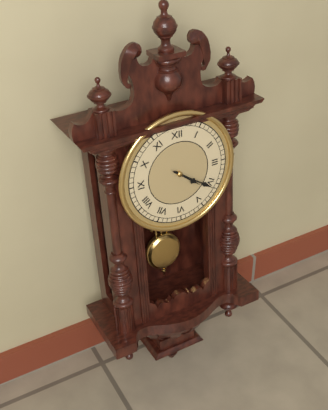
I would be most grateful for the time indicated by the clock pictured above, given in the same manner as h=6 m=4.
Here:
h=4 m=21
